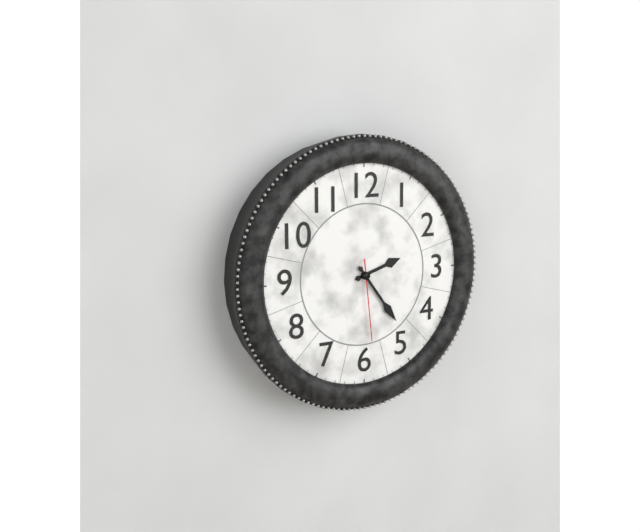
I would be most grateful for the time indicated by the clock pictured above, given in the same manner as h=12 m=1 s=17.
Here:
h=2 m=24 s=29
